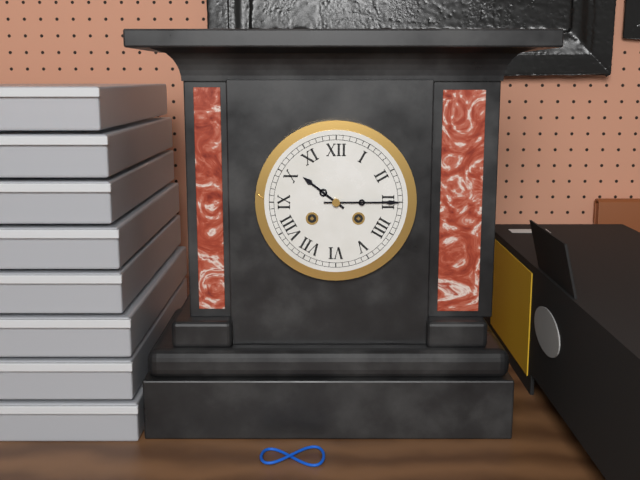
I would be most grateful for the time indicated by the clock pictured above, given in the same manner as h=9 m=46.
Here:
h=10 m=15
